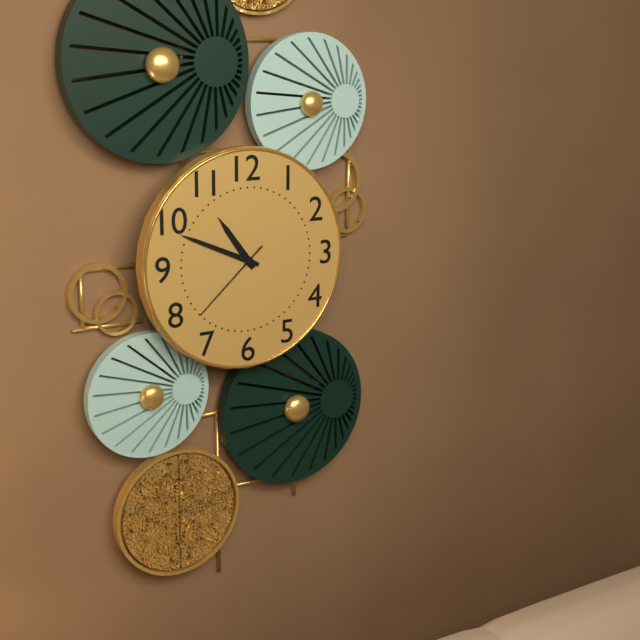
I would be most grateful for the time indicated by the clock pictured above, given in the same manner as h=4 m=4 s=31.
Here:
h=10 m=49 s=38
